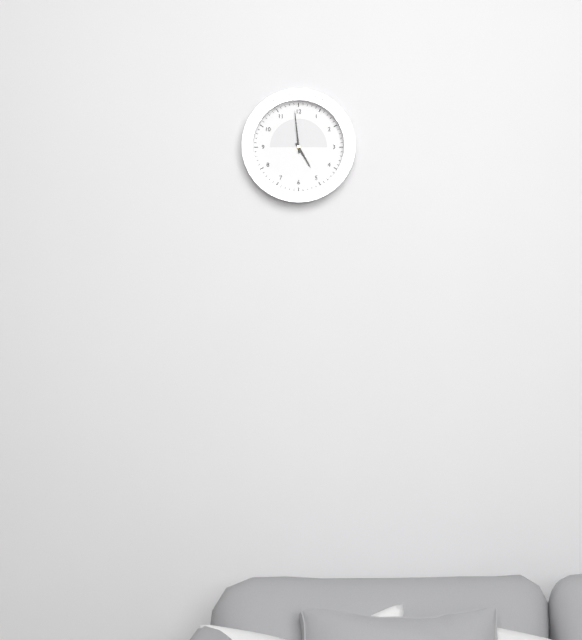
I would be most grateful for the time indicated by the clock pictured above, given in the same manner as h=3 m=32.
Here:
h=4 m=59
